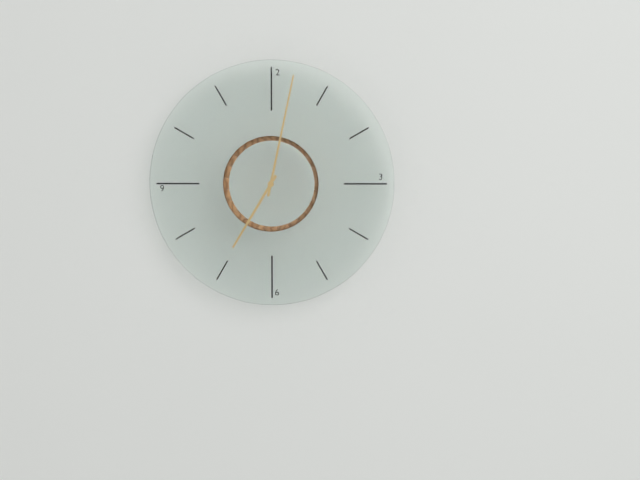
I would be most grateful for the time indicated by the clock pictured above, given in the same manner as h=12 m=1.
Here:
h=7 m=2
